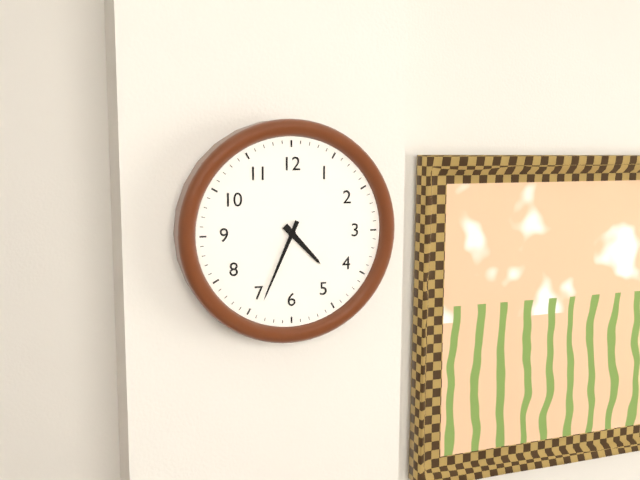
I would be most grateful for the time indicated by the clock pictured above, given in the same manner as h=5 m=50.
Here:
h=4 m=34
